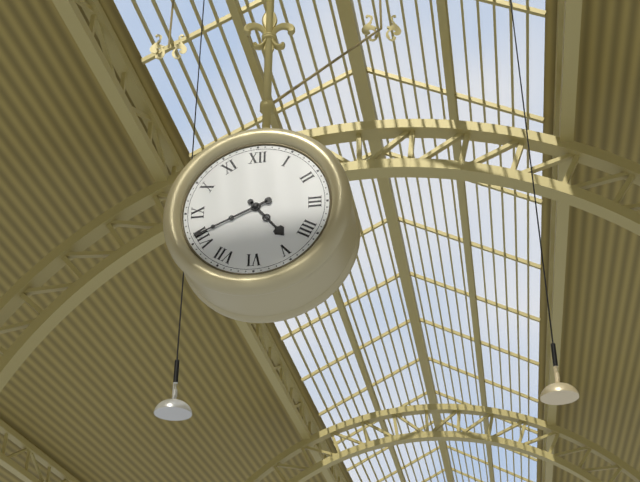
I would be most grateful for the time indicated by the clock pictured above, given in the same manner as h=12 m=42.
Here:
h=4 m=41
